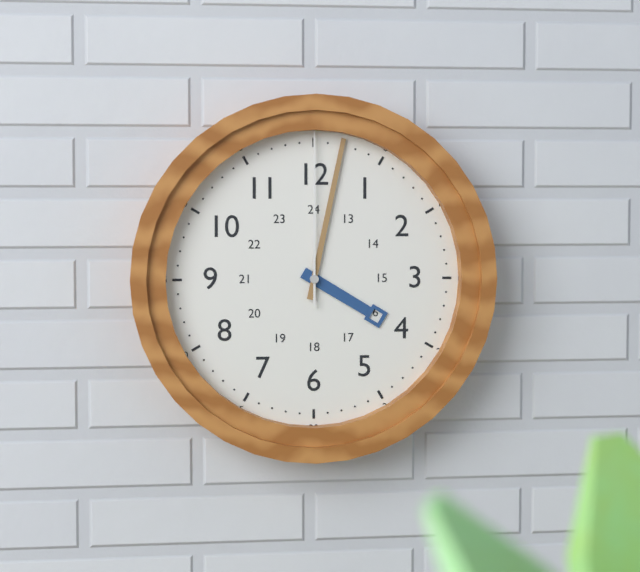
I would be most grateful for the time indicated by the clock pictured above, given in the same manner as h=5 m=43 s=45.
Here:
h=4 m=2 s=0
